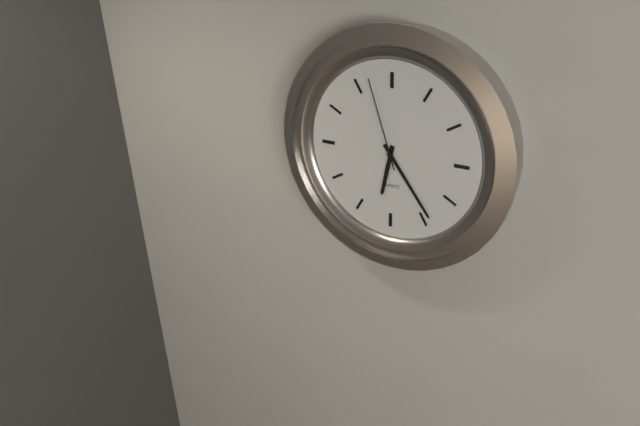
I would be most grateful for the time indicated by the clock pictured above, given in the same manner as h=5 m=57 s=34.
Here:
h=6 m=24 s=57
